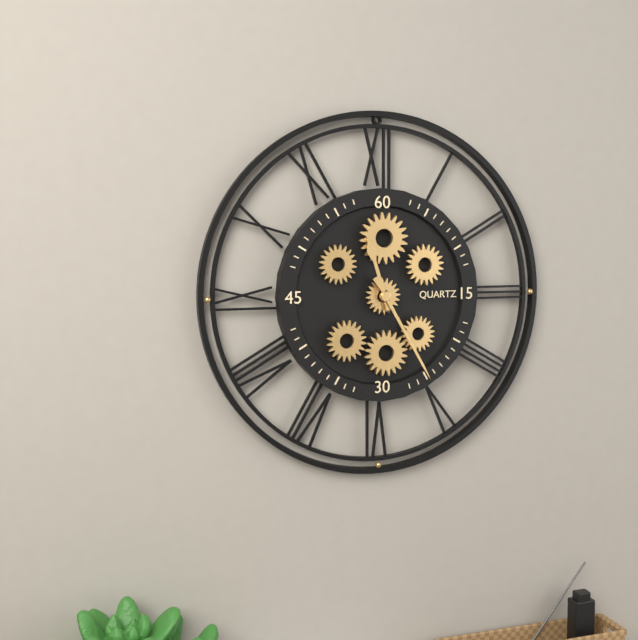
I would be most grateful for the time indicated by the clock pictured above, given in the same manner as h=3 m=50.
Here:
h=11 m=25
